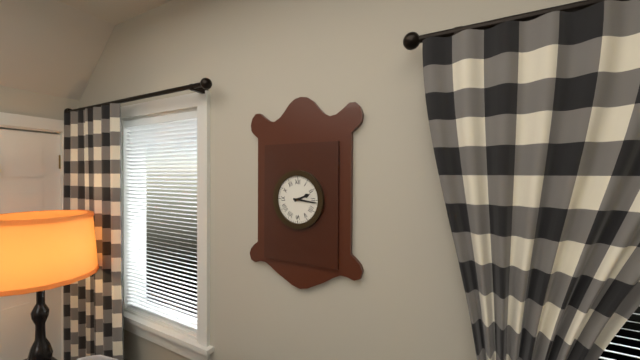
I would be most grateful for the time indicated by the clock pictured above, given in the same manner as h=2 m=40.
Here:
h=2 m=16
